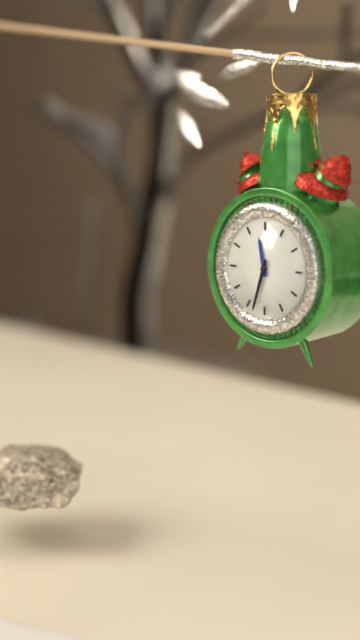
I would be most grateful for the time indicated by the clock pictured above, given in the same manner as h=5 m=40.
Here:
h=11 m=33
